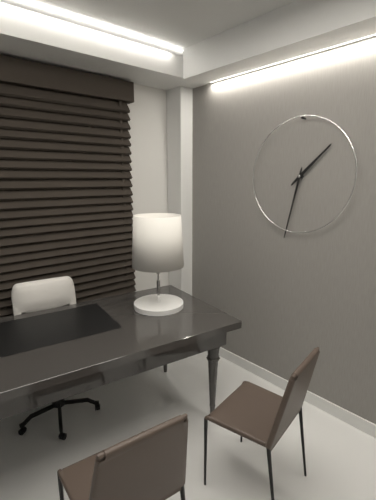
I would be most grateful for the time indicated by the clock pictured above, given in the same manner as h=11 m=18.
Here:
h=1 m=32
